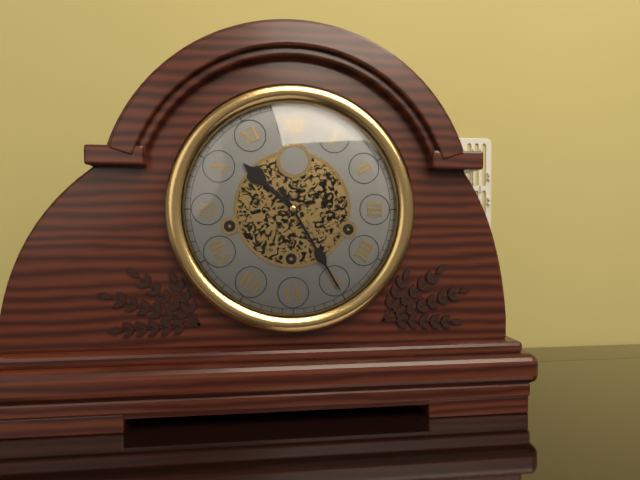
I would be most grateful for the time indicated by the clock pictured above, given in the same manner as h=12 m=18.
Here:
h=10 m=25
